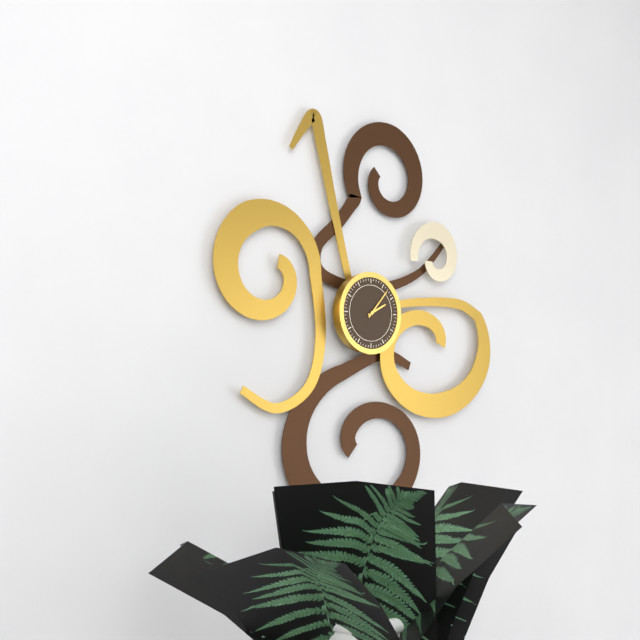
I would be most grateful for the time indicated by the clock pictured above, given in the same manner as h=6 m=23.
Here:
h=2 m=7
